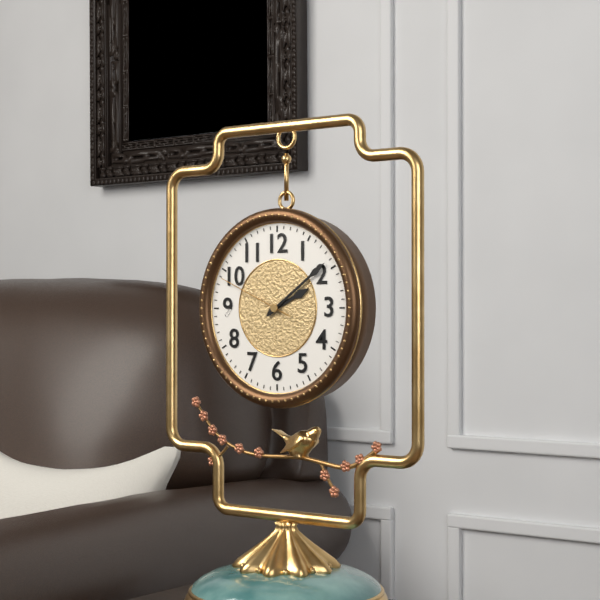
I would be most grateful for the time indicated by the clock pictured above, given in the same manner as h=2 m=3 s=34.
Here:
h=2 m=9 s=49
